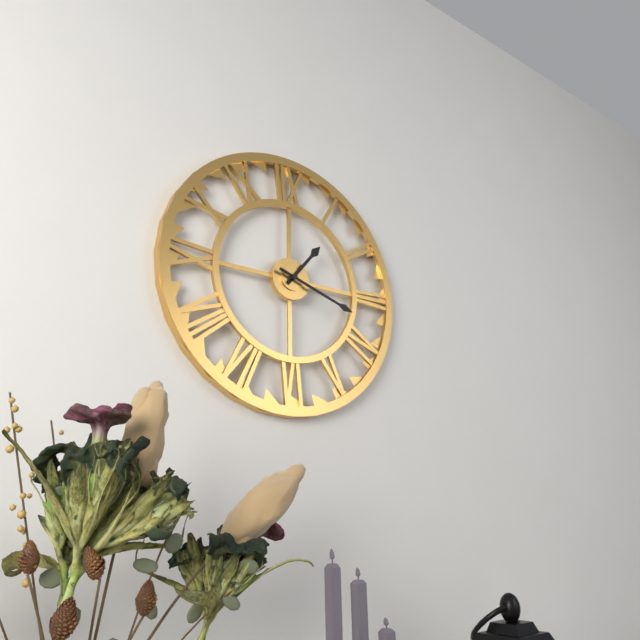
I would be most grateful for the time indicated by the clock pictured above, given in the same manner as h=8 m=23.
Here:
h=1 m=18
